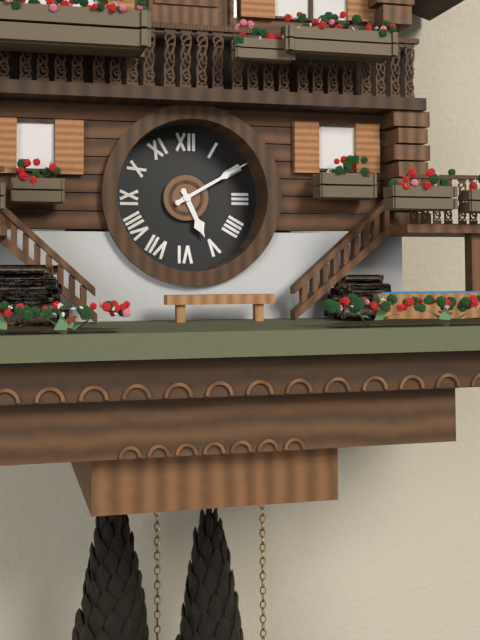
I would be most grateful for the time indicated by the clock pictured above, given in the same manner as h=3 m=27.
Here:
h=5 m=10
